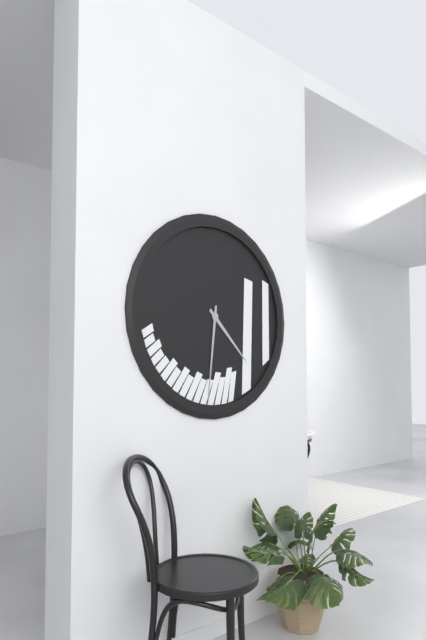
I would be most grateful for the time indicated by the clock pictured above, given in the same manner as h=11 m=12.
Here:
h=4 m=31
